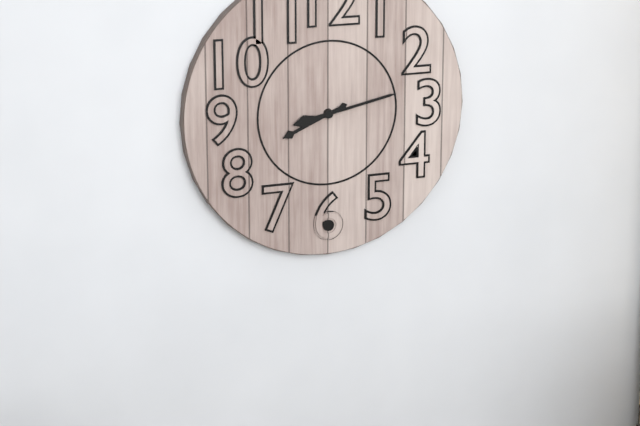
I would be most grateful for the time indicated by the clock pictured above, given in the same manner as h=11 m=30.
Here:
h=8 m=13
